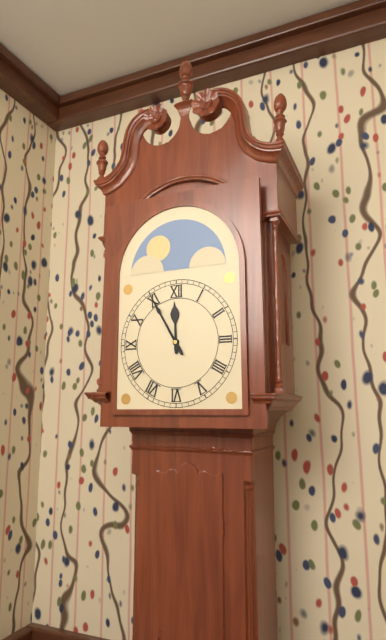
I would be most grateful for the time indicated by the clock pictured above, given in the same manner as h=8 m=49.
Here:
h=11 m=55
